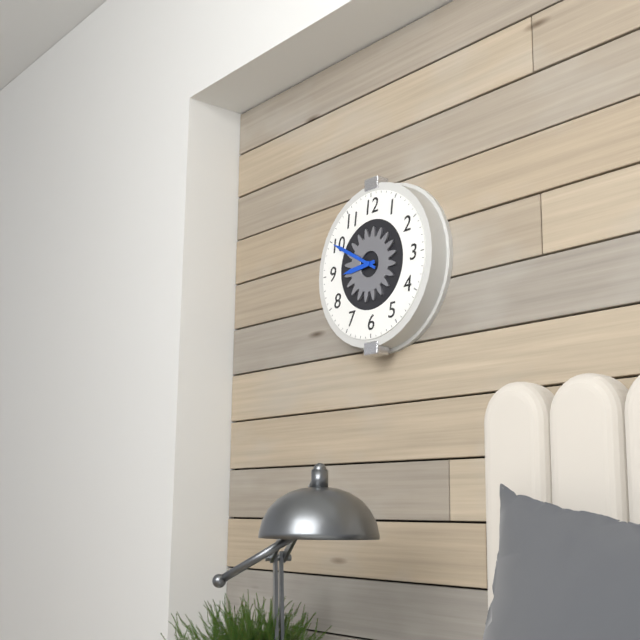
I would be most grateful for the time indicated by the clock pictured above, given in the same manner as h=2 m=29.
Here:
h=8 m=50
